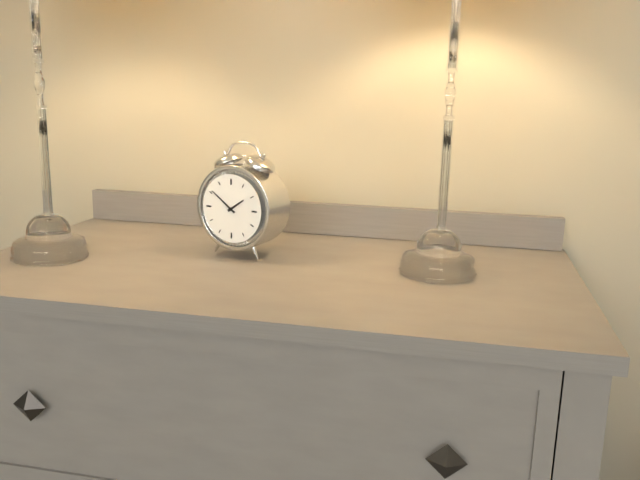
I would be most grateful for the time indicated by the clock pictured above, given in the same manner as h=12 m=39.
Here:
h=1 m=51
